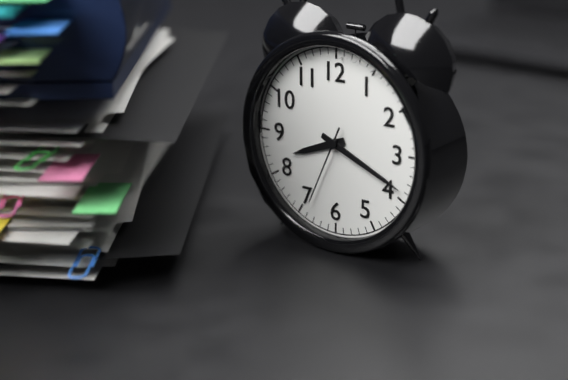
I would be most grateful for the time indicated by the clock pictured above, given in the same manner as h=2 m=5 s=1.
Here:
h=8 m=19 s=34
